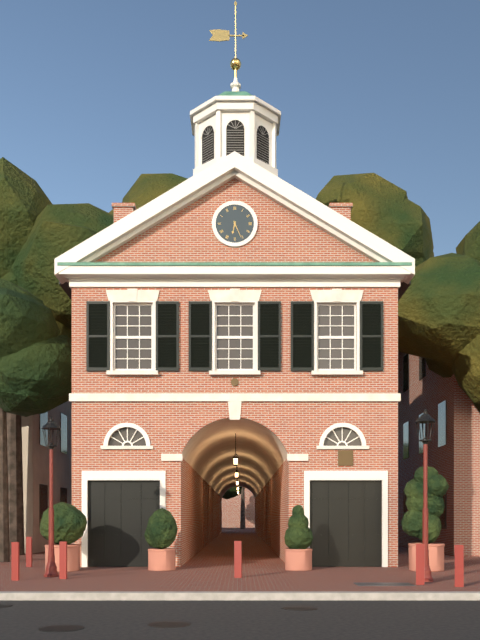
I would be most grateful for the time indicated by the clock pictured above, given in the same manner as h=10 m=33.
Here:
h=6 m=26
